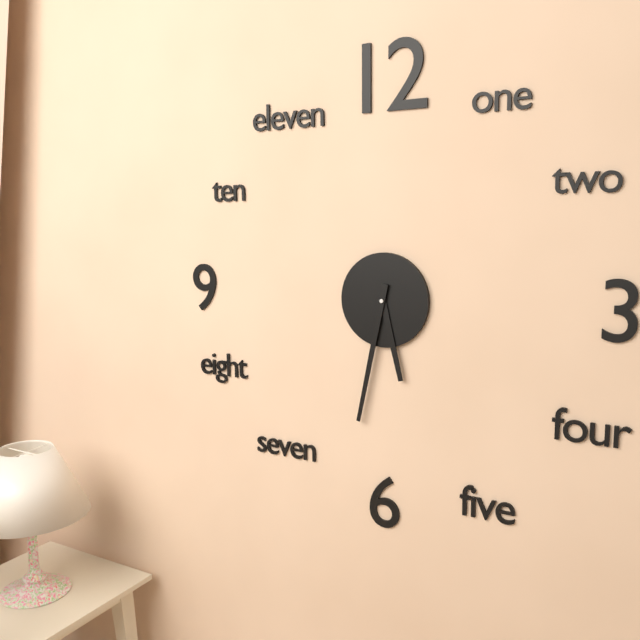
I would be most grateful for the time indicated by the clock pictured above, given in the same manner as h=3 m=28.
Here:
h=5 m=32
